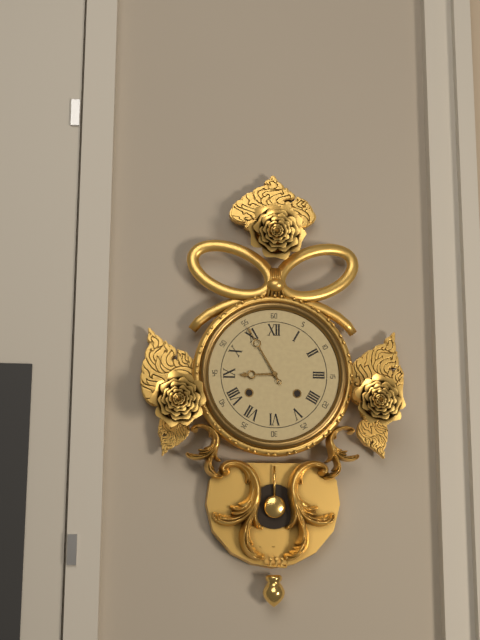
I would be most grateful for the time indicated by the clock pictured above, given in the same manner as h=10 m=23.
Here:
h=8 m=55
